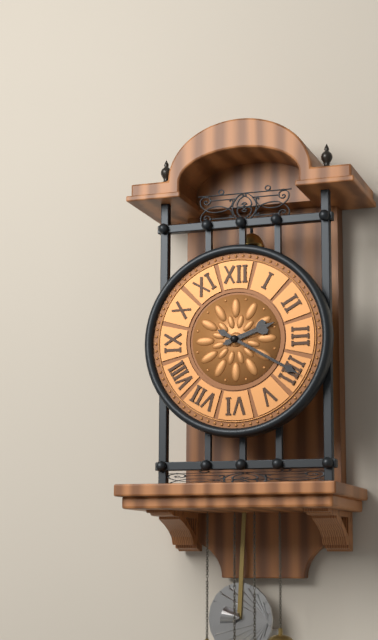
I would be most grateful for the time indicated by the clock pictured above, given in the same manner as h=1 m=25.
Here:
h=2 m=20
